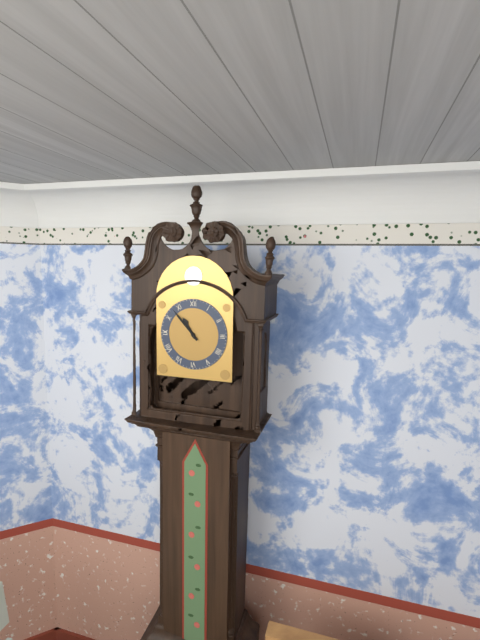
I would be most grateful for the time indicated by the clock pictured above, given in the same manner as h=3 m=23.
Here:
h=10 m=53
